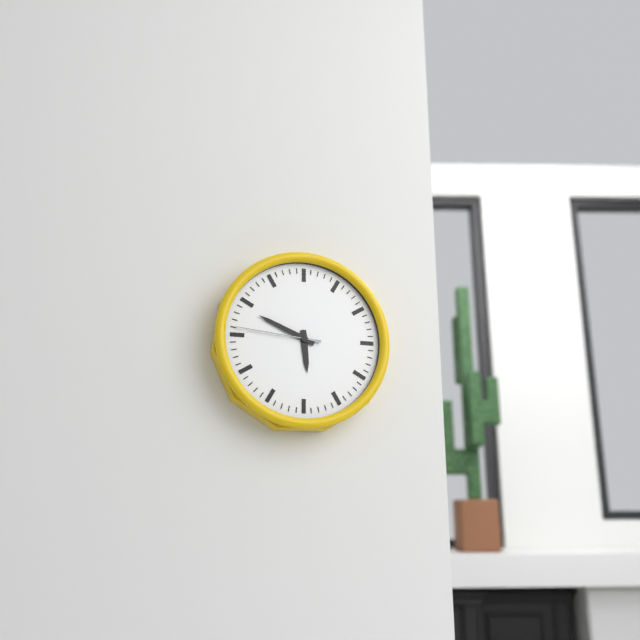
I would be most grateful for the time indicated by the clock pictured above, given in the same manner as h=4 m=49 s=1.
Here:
h=5 m=49 s=46
